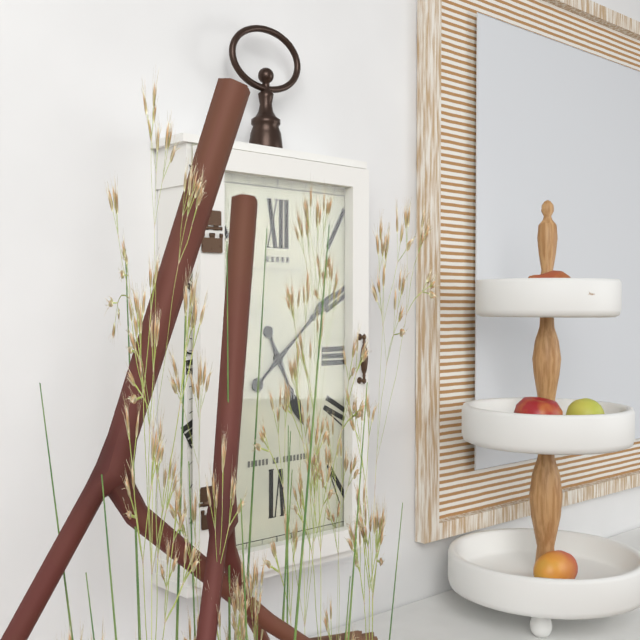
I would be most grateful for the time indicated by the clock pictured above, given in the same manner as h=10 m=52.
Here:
h=5 m=8
